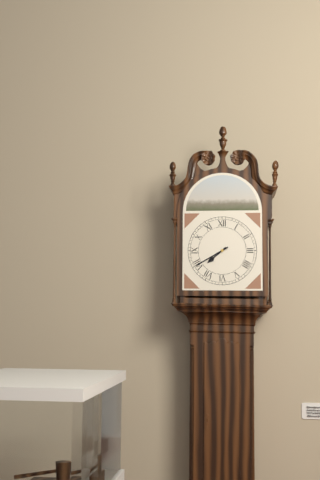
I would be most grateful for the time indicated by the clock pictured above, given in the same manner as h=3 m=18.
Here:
h=7 m=40
